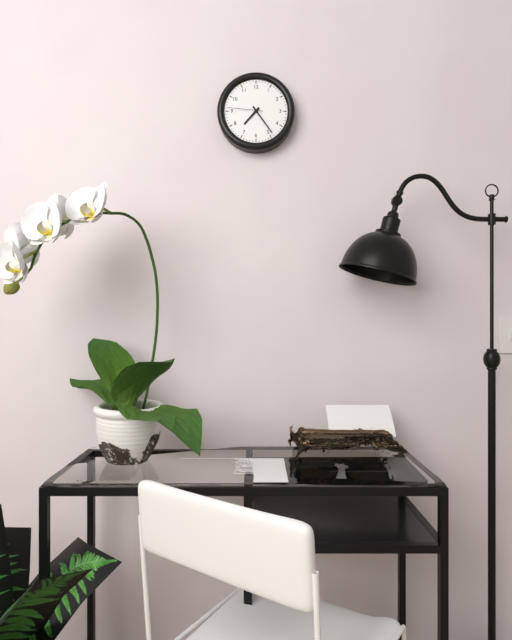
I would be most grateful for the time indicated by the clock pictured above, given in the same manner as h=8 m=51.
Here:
h=7 m=24
